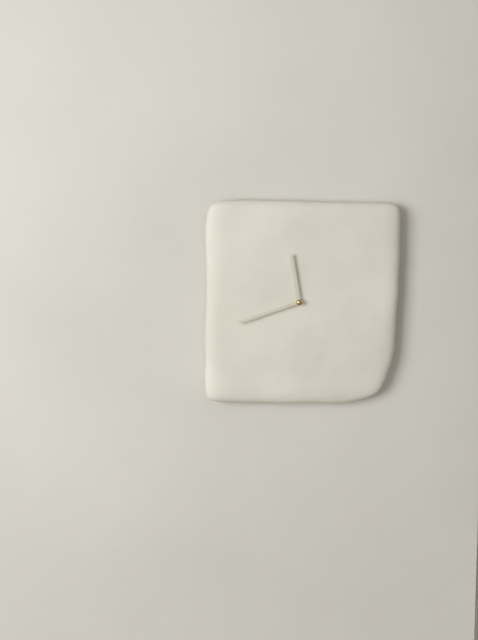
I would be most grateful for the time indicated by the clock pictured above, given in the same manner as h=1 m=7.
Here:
h=11 m=42
